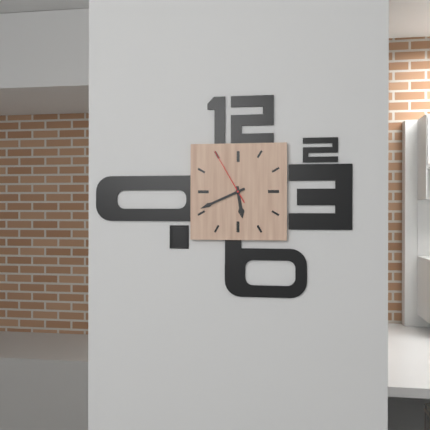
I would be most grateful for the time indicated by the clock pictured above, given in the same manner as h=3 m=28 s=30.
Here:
h=5 m=41 s=55
